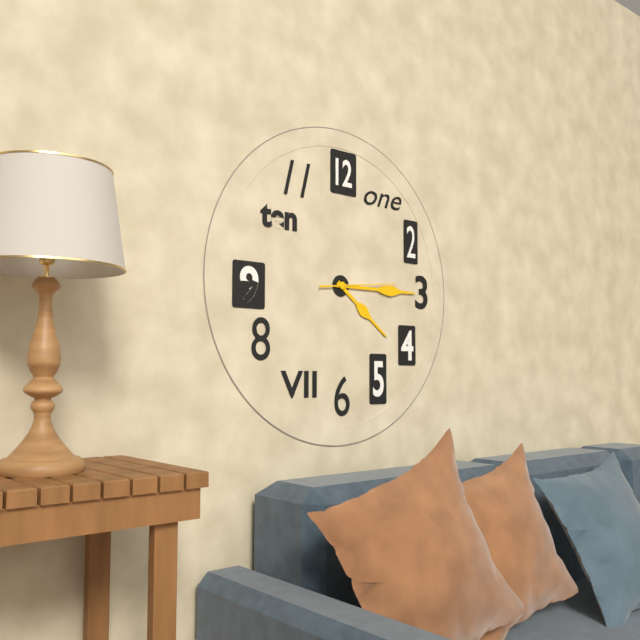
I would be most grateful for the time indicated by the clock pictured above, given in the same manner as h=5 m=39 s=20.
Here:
h=4 m=15 s=14
